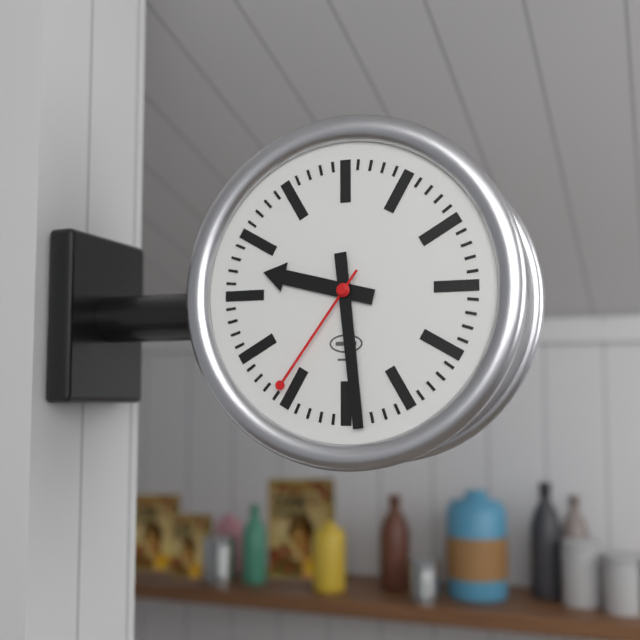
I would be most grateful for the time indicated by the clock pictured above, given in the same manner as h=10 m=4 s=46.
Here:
h=9 m=29 s=36
